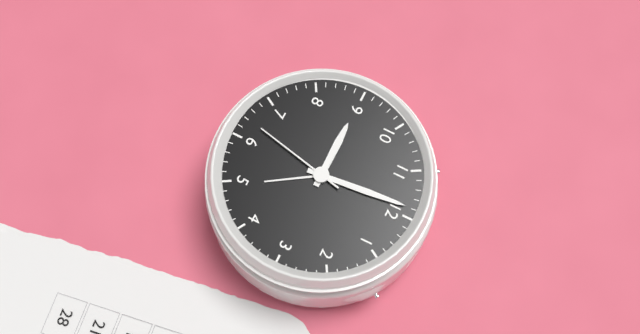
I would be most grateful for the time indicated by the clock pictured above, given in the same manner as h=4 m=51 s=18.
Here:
h=8 m=59 s=32
